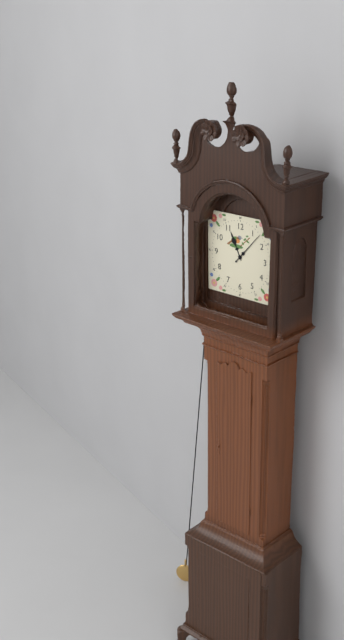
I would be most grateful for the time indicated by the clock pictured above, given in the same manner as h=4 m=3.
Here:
h=11 m=7
